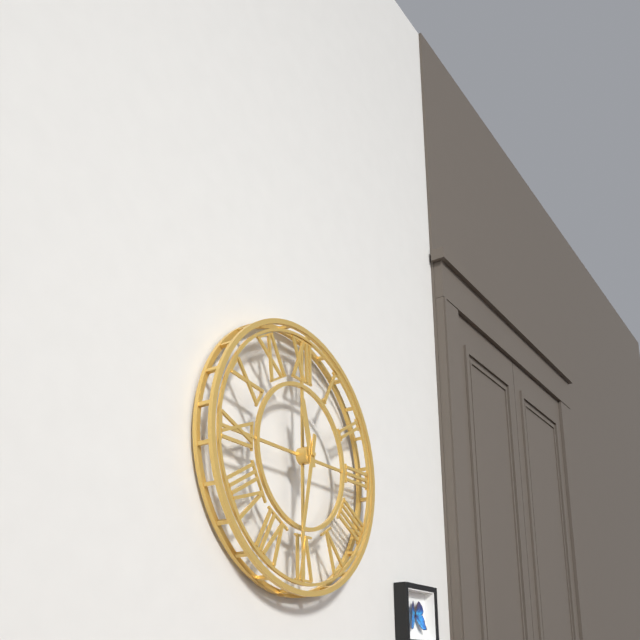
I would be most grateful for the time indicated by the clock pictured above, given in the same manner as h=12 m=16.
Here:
h=11 m=32
